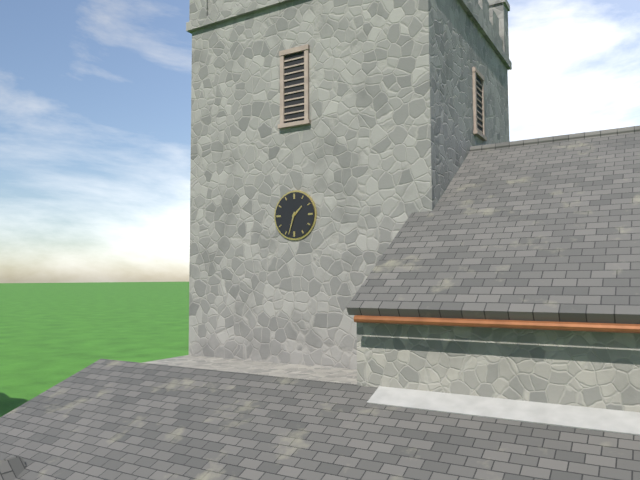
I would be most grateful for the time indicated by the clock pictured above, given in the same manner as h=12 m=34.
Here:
h=1 m=33
